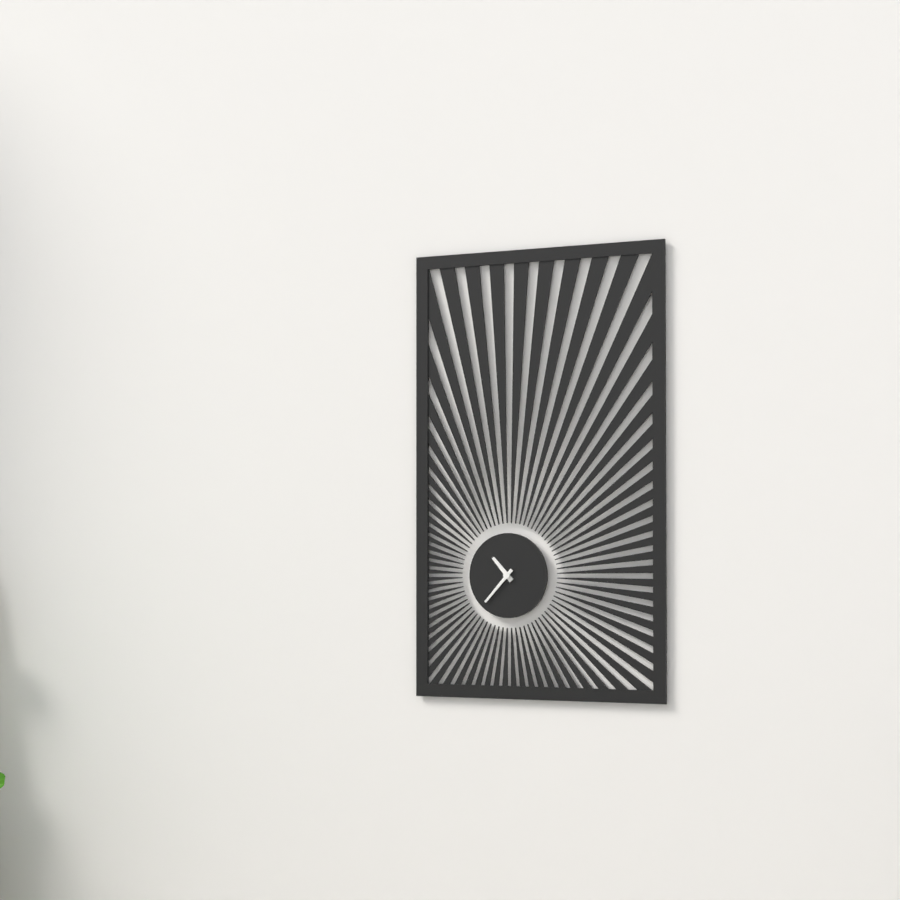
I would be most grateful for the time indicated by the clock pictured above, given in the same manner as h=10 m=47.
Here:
h=10 m=37
